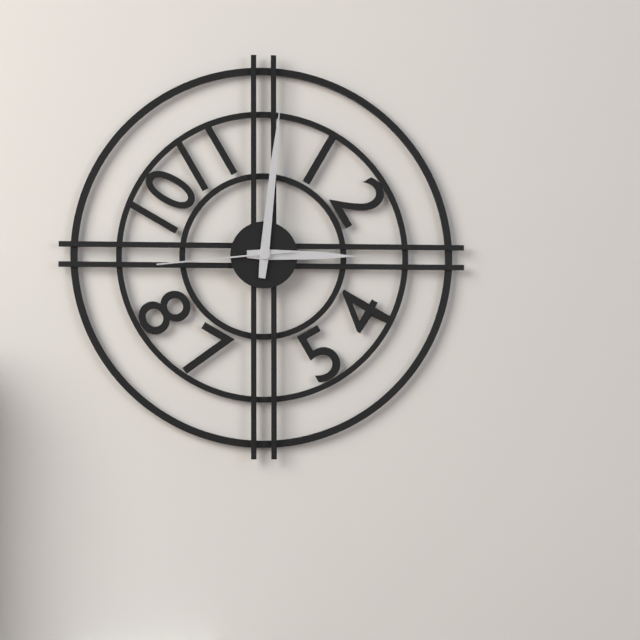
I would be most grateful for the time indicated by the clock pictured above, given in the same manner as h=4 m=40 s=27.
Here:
h=3 m=1 s=44
